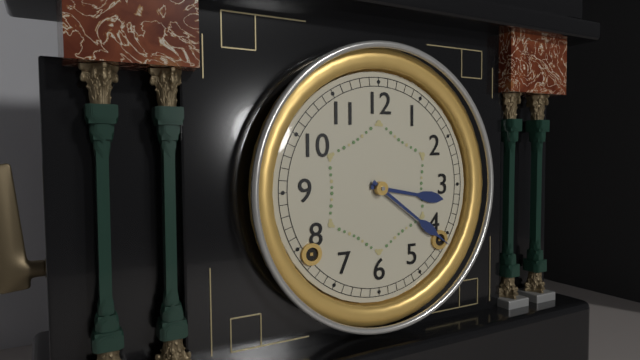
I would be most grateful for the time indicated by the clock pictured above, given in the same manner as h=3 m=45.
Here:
h=3 m=21
